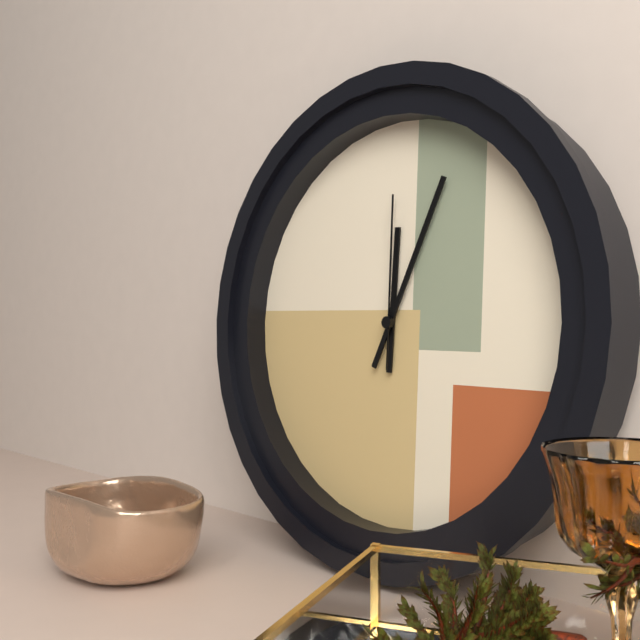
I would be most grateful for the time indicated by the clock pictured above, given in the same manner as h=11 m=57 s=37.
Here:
h=12 m=4 s=0
